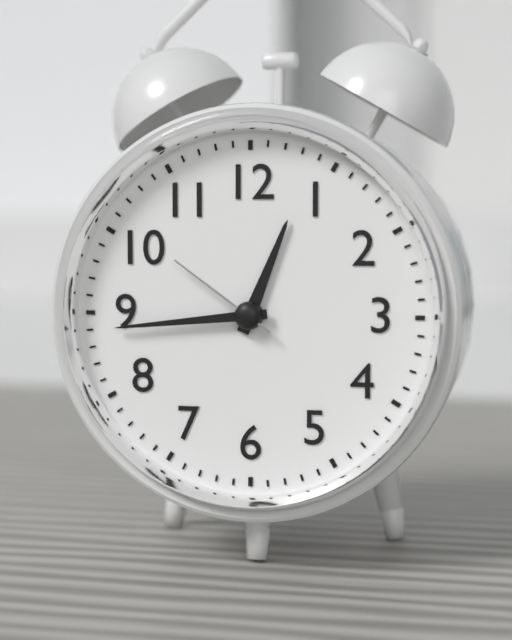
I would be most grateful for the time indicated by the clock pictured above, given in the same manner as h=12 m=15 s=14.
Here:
h=12 m=44 s=51
